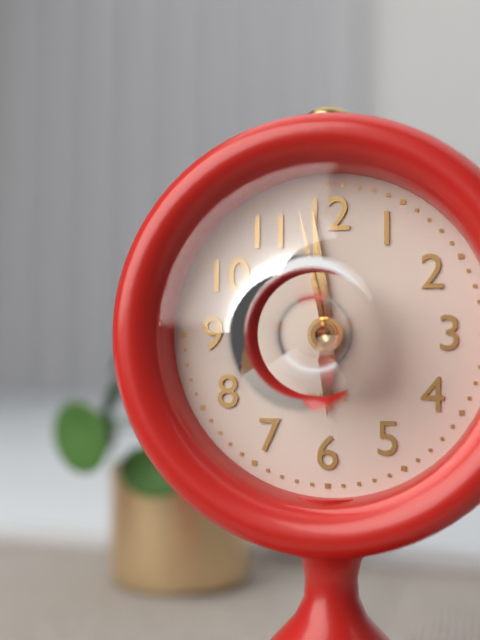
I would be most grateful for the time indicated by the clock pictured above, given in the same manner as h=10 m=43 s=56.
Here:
h=5 m=59 s=58
